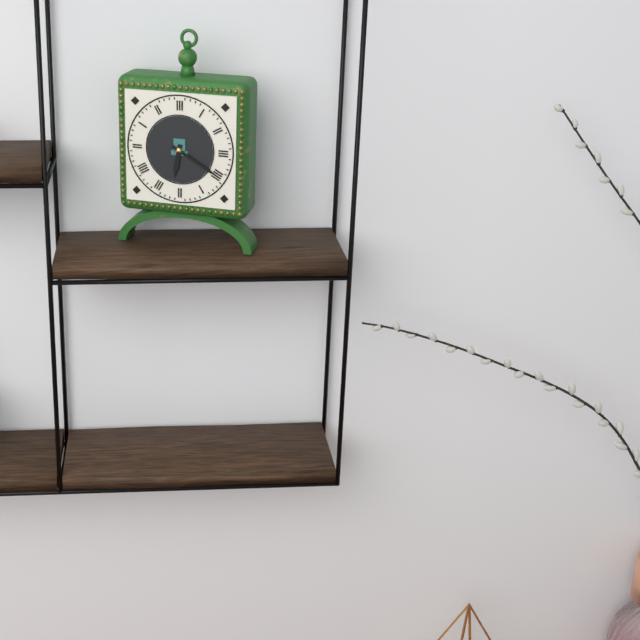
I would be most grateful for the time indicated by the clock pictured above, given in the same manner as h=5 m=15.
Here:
h=6 m=20
